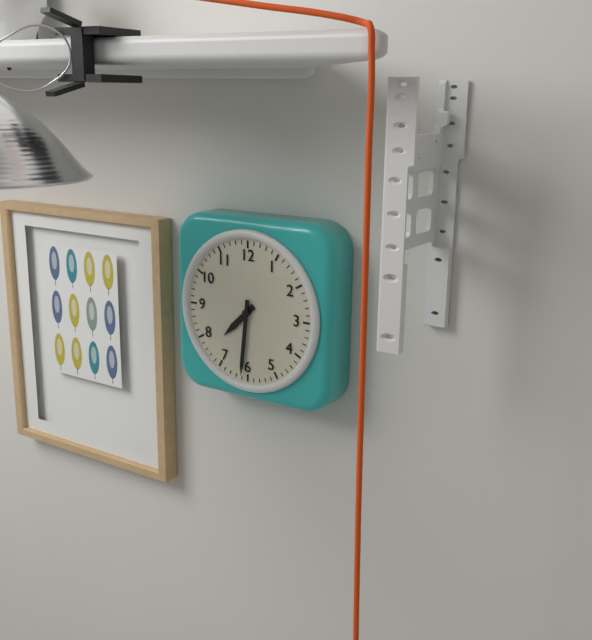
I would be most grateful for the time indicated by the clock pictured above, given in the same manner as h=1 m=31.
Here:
h=7 m=31
